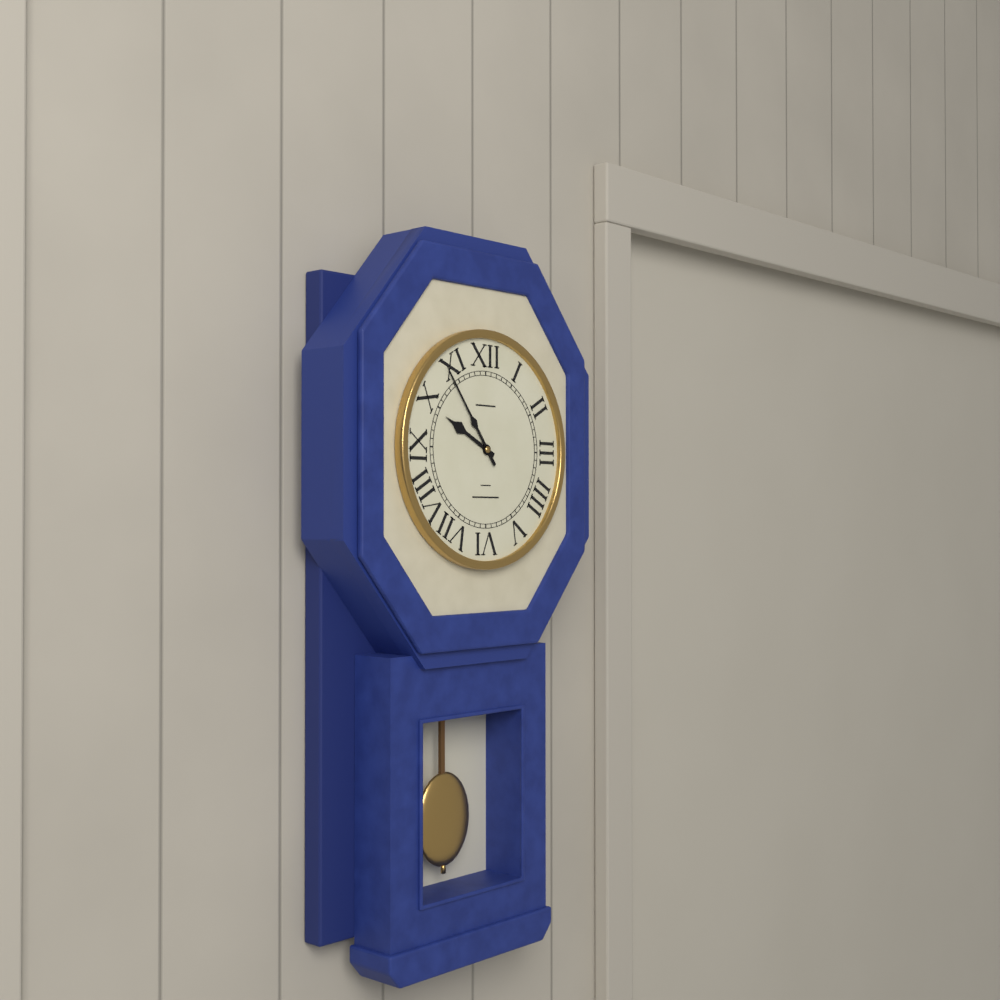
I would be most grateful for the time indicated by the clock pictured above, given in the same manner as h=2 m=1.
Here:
h=9 m=54
